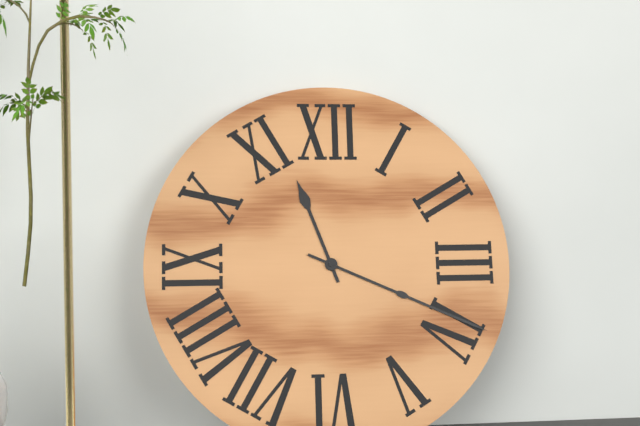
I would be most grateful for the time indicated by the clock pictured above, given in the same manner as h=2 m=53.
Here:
h=11 m=19
